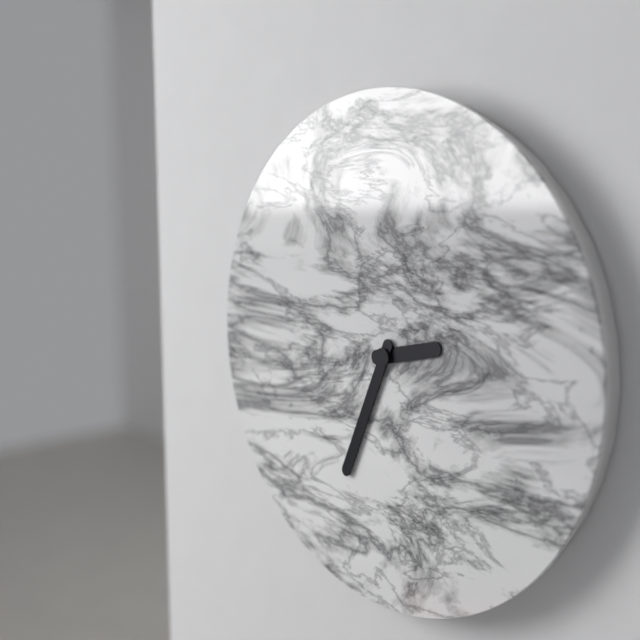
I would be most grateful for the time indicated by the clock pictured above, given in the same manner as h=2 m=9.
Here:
h=2 m=34
